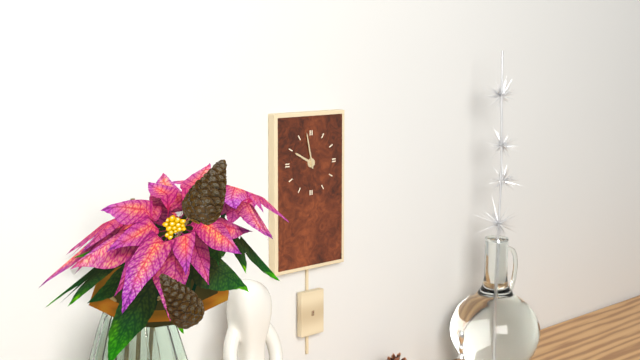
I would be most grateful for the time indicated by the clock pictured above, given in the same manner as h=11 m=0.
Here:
h=9 m=58
